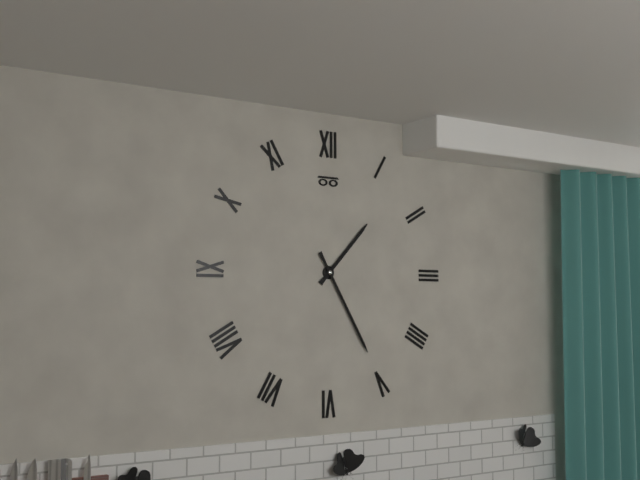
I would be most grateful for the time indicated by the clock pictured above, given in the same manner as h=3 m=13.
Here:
h=1 m=25
